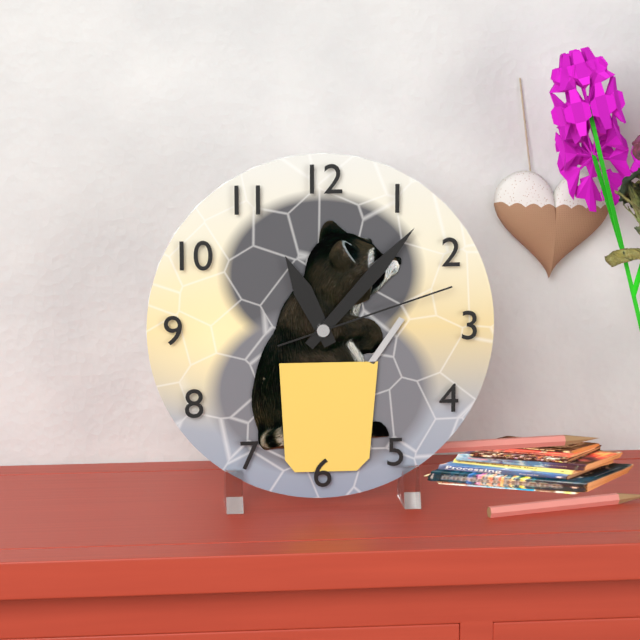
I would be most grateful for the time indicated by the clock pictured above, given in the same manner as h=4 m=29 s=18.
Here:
h=11 m=7 s=12
